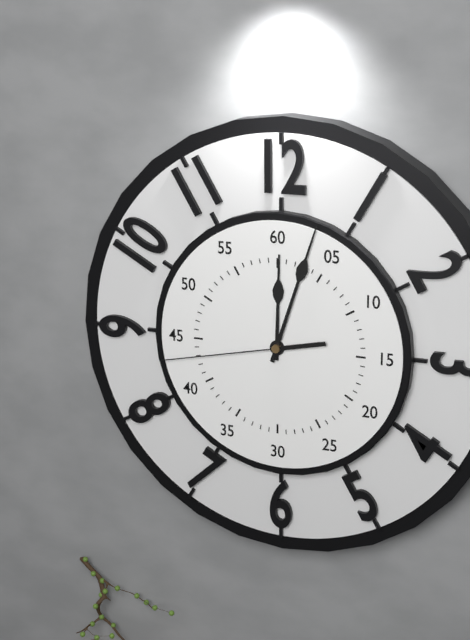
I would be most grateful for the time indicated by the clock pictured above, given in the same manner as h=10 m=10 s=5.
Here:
h=12 m=3 s=43
